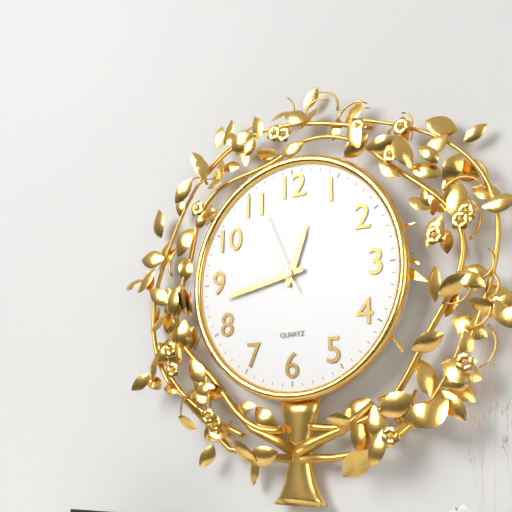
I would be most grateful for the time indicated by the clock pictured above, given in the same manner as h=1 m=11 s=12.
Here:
h=12 m=43 s=56
